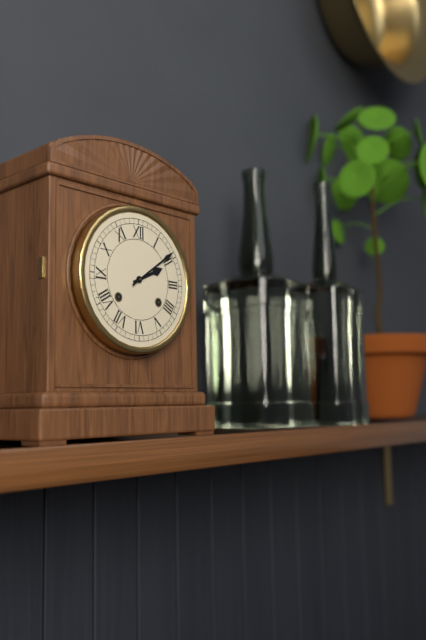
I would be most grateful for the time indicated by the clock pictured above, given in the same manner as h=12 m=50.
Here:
h=2 m=9
